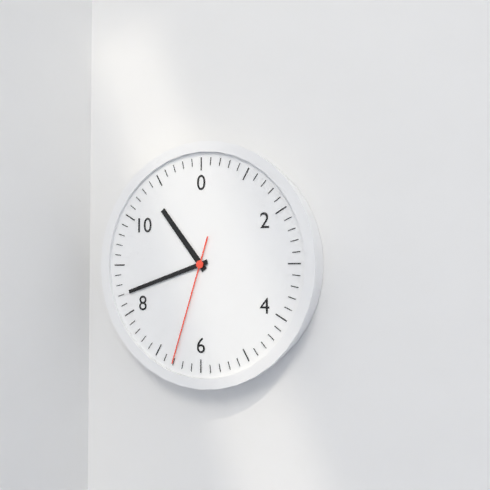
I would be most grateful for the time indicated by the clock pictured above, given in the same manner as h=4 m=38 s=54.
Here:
h=10 m=42 s=33
